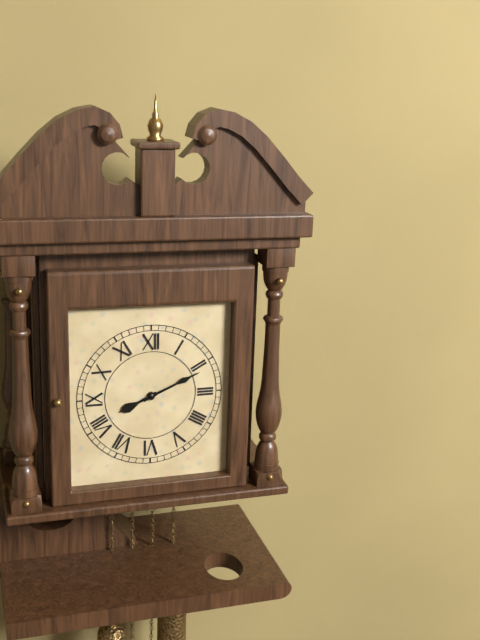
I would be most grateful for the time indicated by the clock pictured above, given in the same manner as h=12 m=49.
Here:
h=8 m=11
